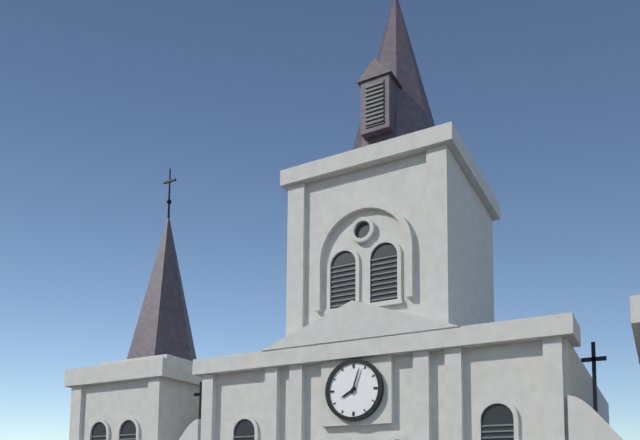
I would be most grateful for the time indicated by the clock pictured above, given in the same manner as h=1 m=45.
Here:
h=8 m=3
